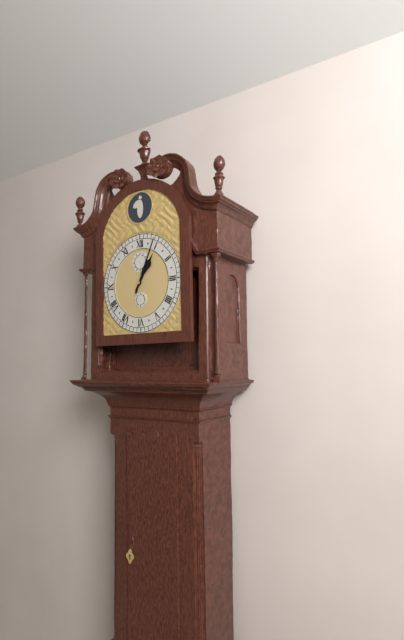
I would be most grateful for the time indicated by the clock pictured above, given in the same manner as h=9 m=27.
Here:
h=1 m=4
